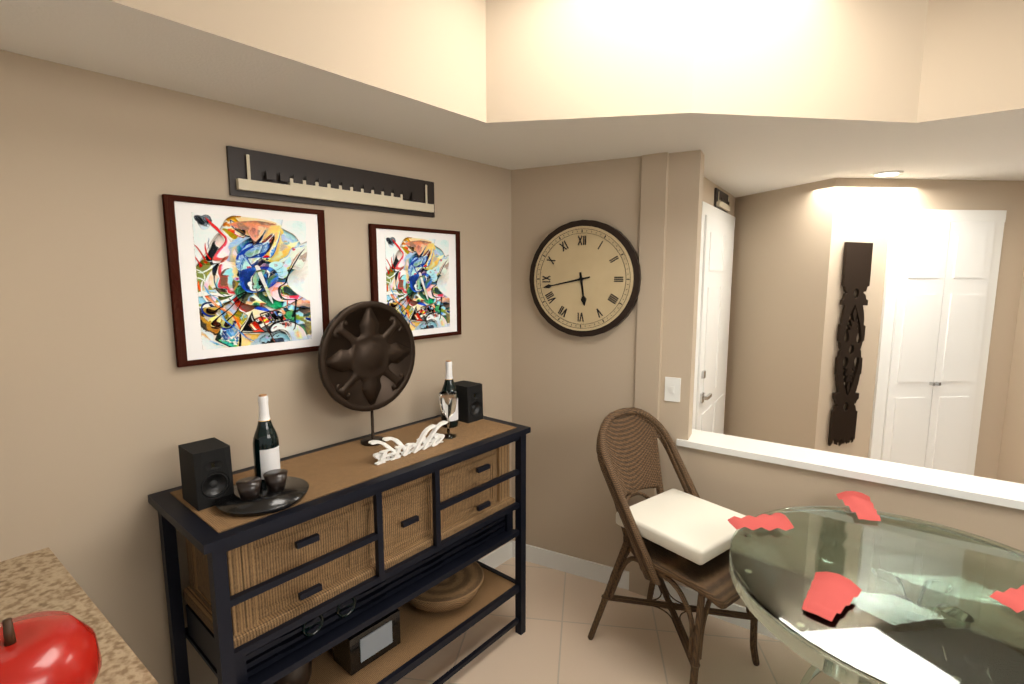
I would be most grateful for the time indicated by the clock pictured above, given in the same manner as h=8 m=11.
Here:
h=5 m=43
